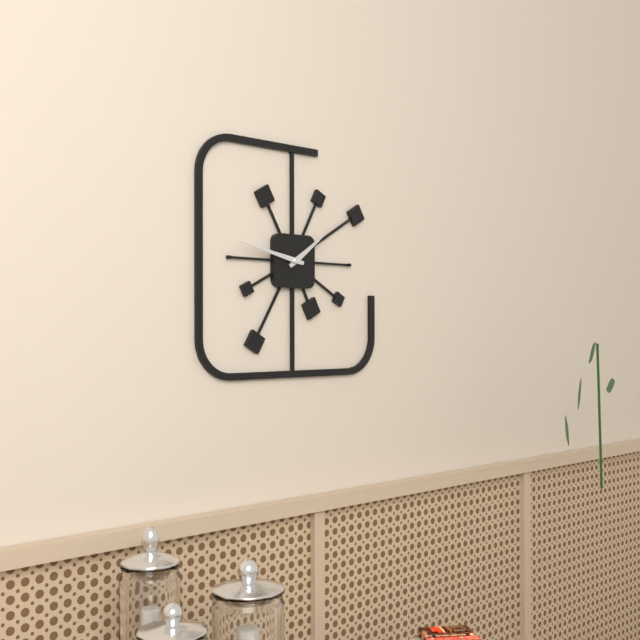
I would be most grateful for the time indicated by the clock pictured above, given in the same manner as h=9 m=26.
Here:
h=1 m=47
